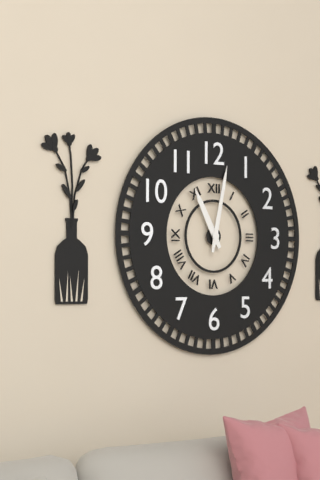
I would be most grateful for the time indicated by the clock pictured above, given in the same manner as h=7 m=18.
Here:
h=11 m=2
